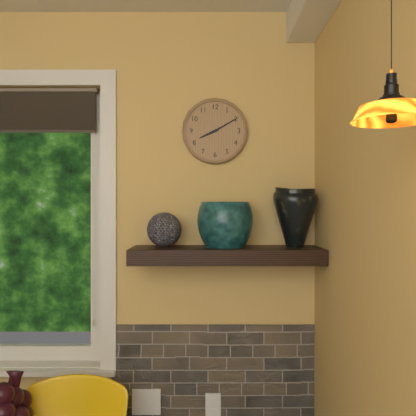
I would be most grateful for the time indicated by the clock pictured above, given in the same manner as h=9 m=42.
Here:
h=8 m=10
